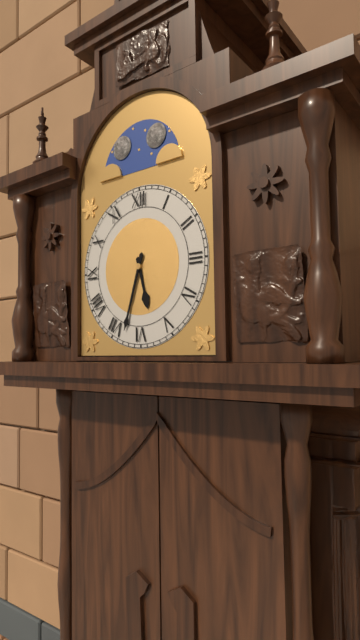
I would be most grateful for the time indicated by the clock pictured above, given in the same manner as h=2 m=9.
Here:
h=5 m=33
